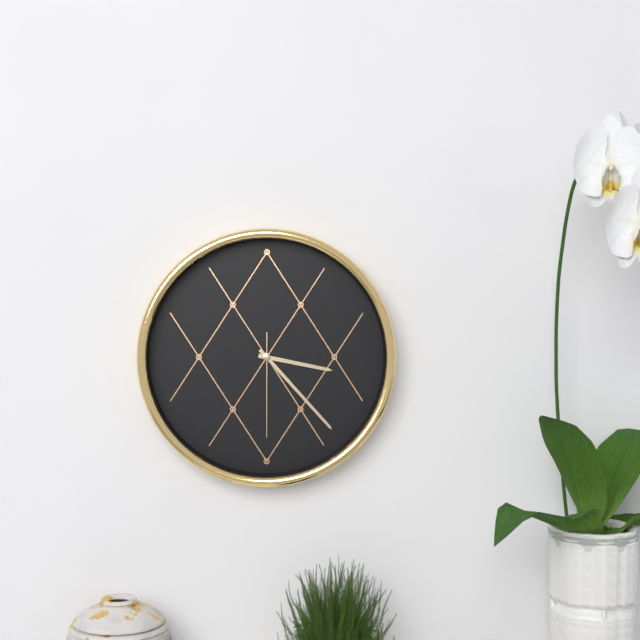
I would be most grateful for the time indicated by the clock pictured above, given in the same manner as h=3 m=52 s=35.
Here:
h=3 m=23 s=30
